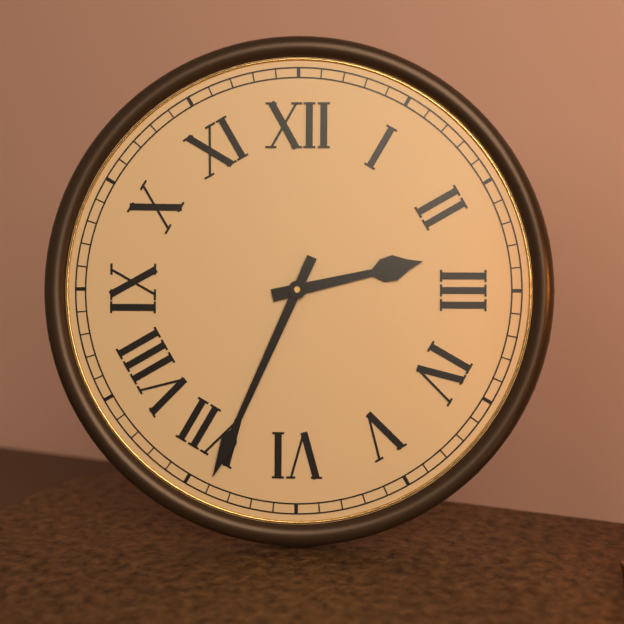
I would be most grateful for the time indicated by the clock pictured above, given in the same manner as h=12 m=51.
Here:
h=2 m=34
